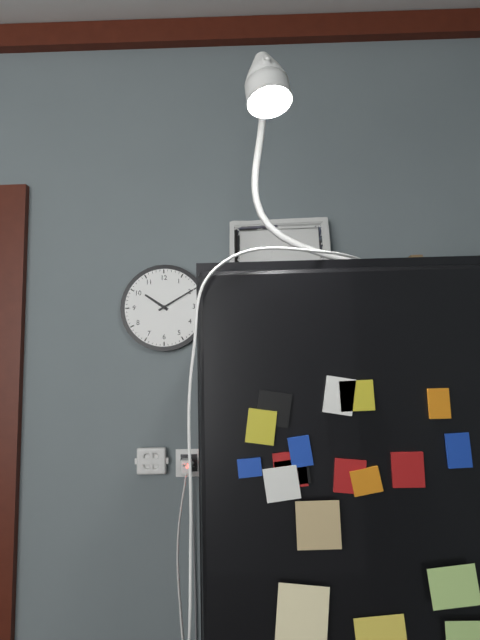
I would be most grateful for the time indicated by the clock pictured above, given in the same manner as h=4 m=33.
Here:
h=10 m=10
